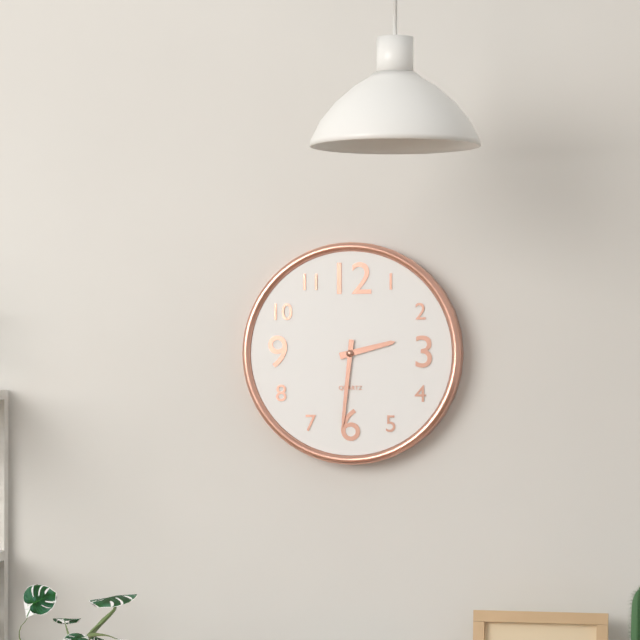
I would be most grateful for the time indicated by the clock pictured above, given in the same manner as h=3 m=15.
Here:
h=2 m=31
